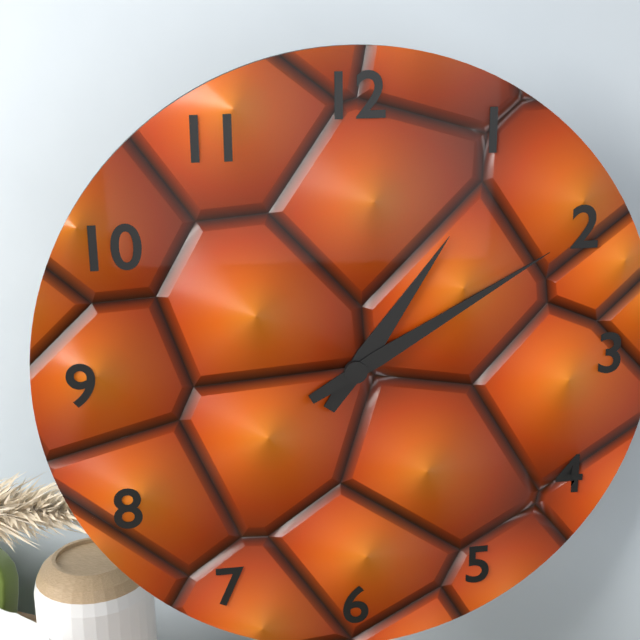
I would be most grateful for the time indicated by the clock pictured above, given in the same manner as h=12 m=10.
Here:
h=1 m=10
